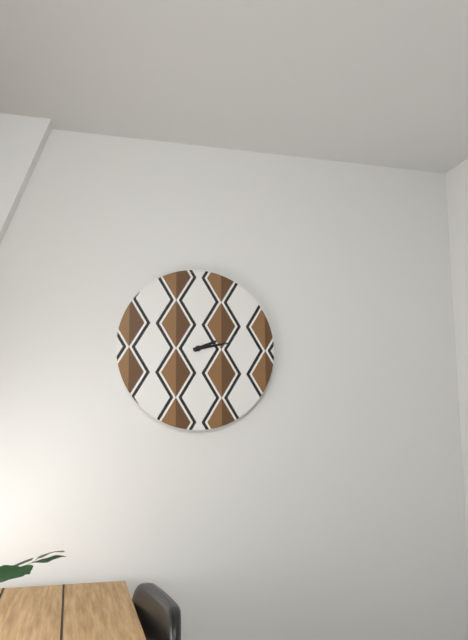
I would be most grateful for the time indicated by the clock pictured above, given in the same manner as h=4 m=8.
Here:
h=2 m=13
